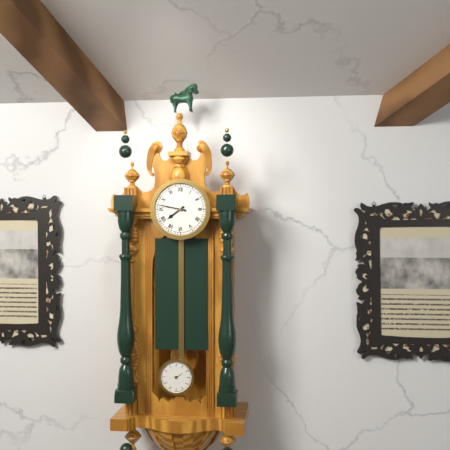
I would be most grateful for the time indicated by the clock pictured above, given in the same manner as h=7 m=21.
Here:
h=7 m=47
